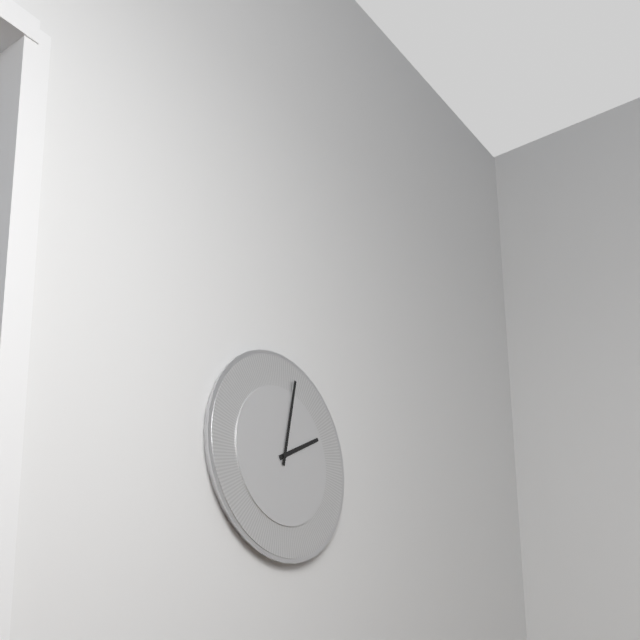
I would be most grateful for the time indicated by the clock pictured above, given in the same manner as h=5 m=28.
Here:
h=2 m=2
